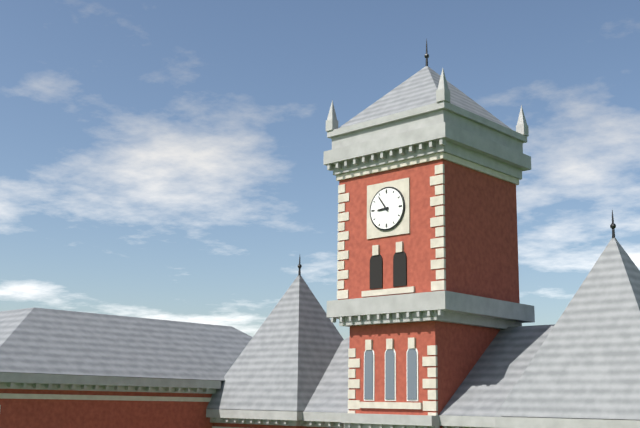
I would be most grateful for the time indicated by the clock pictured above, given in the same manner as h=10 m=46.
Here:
h=8 m=54
